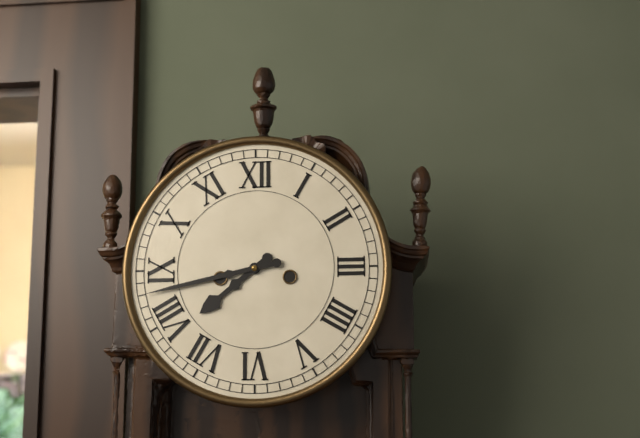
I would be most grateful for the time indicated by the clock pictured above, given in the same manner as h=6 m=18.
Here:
h=7 m=43
